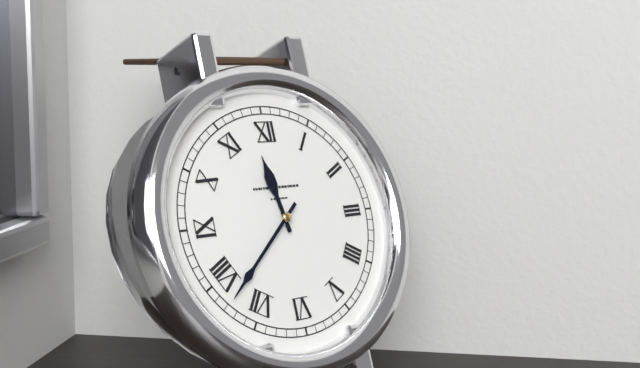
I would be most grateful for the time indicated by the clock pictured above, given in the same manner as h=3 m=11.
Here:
h=11 m=38
